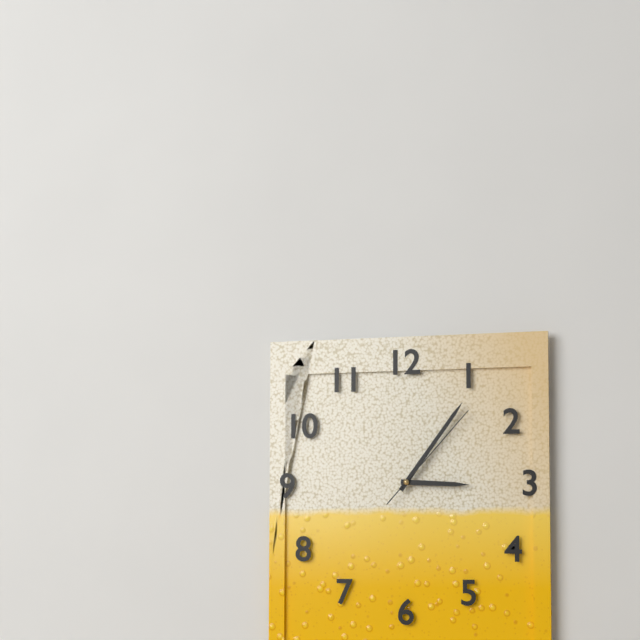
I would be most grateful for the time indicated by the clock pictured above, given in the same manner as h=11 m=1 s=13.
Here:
h=3 m=6 s=7
